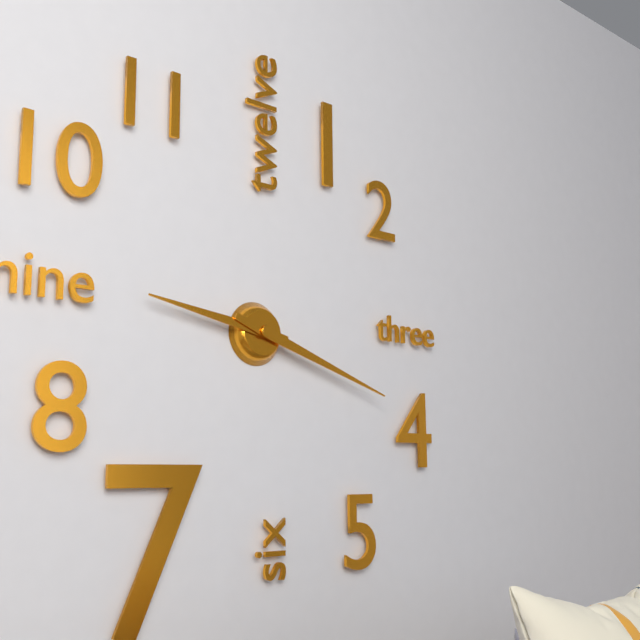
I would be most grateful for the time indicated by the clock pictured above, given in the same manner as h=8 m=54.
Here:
h=9 m=18
